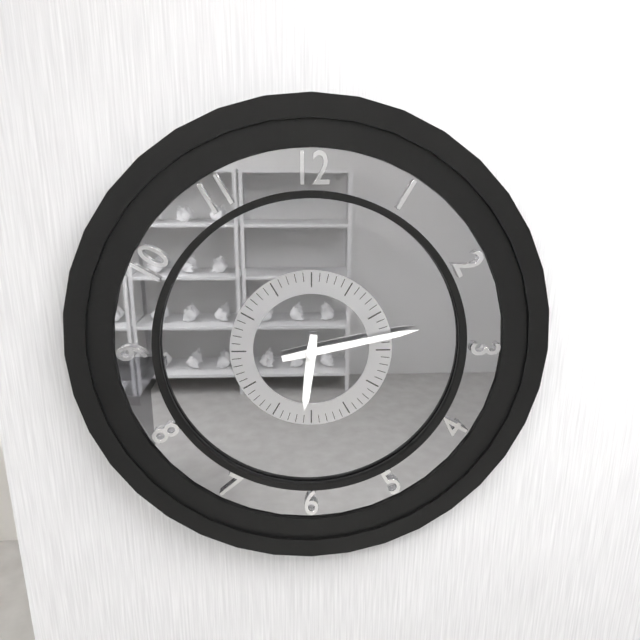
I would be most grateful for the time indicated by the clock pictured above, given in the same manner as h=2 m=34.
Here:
h=6 m=13
